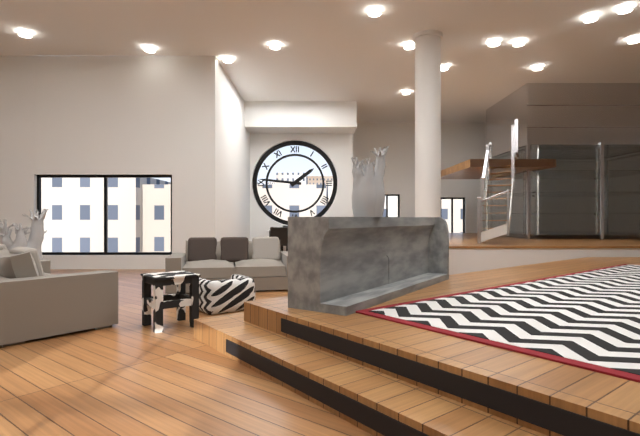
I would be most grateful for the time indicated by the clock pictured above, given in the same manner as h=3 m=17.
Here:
h=1 m=46
